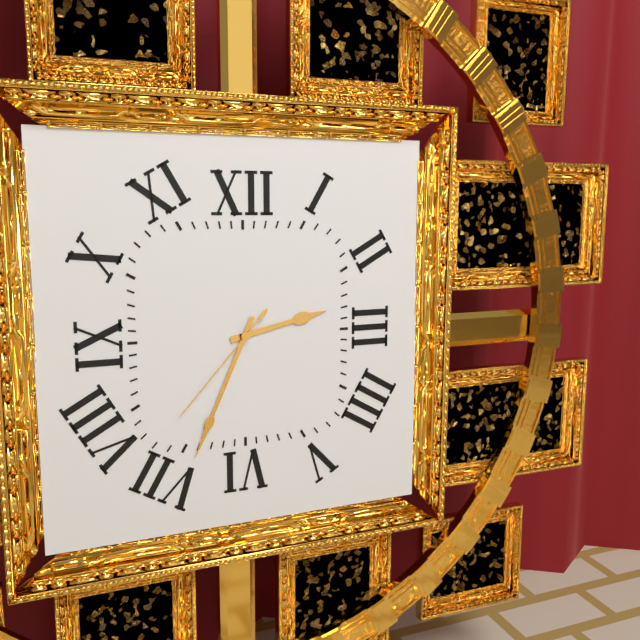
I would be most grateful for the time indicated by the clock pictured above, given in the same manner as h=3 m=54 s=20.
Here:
h=2 m=34 s=37
